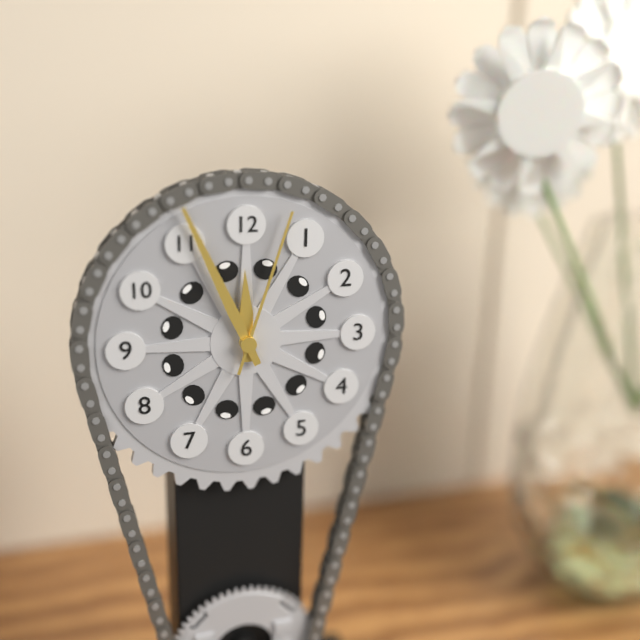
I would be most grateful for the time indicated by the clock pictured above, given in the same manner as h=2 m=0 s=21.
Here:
h=11 m=56 s=3
